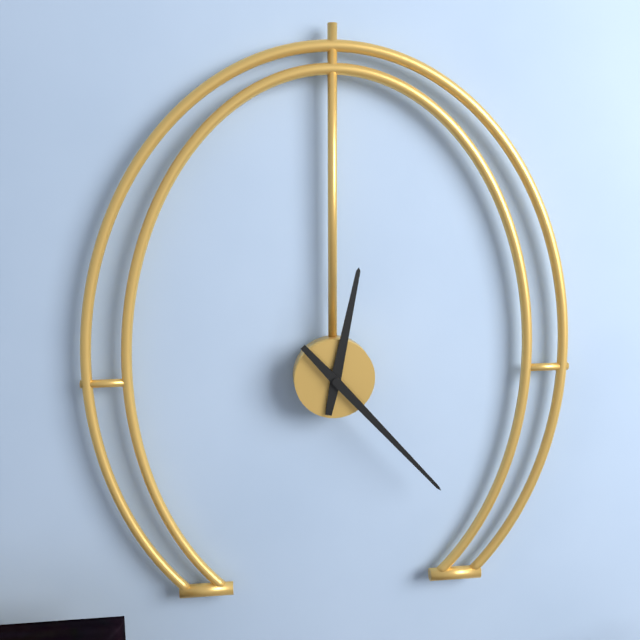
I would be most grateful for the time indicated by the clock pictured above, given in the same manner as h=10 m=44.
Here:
h=12 m=23
